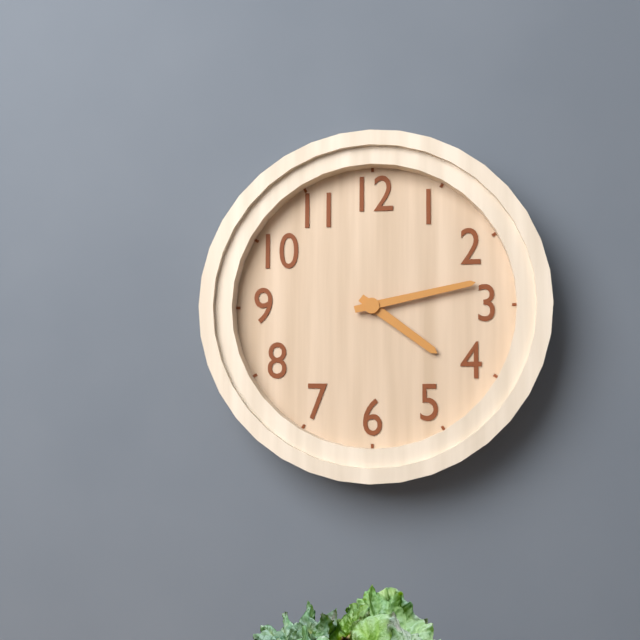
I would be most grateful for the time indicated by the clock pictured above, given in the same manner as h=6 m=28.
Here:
h=4 m=13
